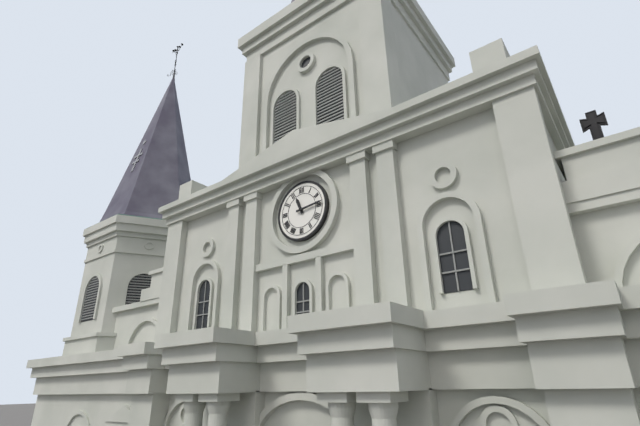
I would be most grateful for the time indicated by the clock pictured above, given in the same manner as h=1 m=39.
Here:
h=11 m=14
